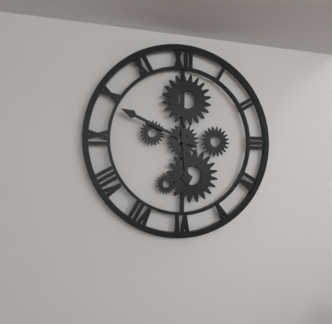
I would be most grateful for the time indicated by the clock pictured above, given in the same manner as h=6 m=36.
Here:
h=5 m=49
